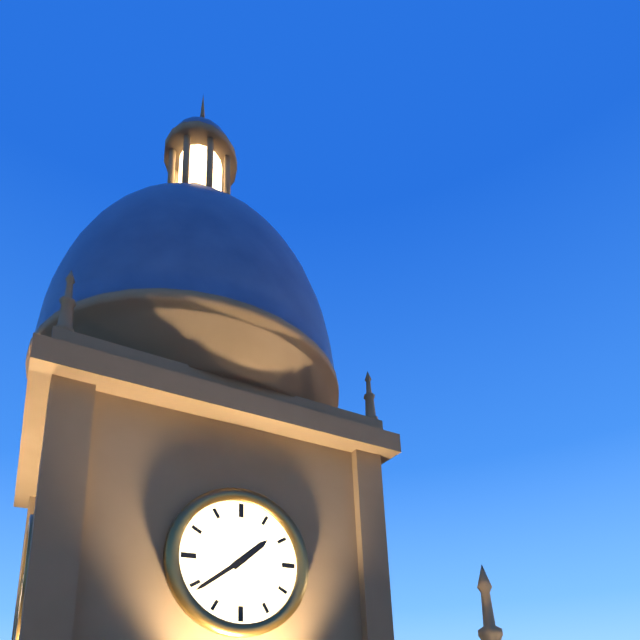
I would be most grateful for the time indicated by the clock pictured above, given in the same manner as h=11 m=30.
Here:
h=1 m=39
